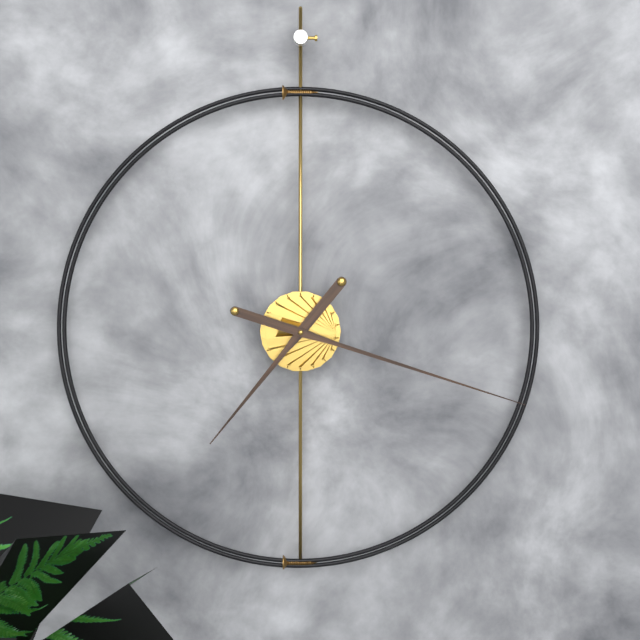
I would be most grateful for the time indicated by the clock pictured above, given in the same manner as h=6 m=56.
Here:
h=7 m=18
